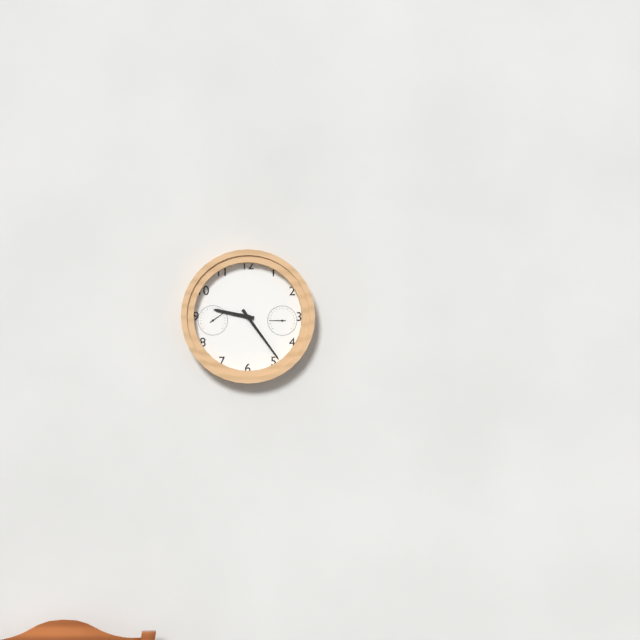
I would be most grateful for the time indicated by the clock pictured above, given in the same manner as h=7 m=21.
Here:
h=9 m=24
